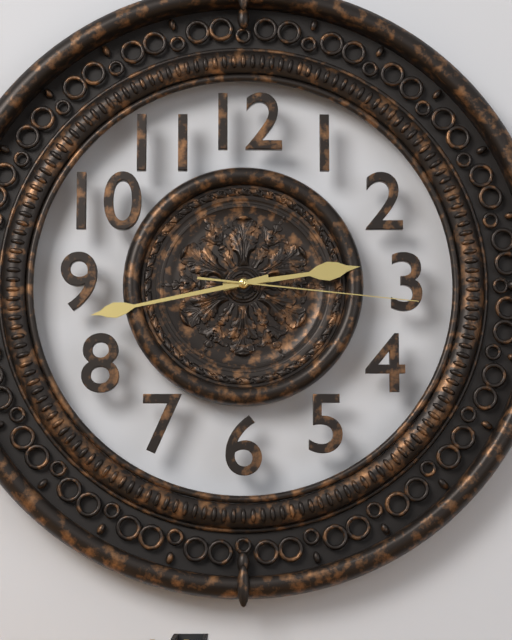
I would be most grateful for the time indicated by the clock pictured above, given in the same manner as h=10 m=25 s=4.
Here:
h=2 m=43 s=16
